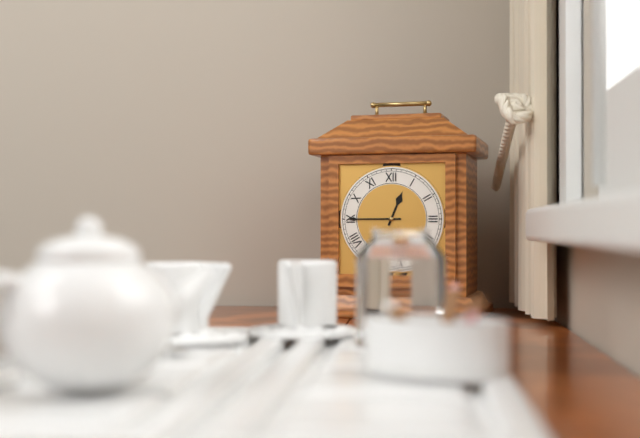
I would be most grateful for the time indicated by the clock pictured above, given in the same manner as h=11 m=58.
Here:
h=12 m=45
